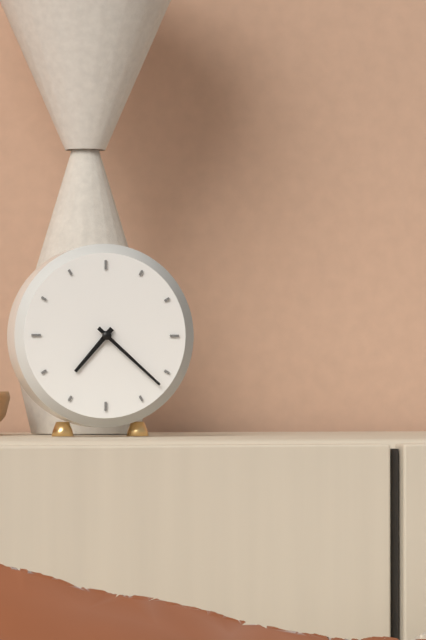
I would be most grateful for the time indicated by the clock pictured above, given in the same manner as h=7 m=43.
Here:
h=7 m=22
